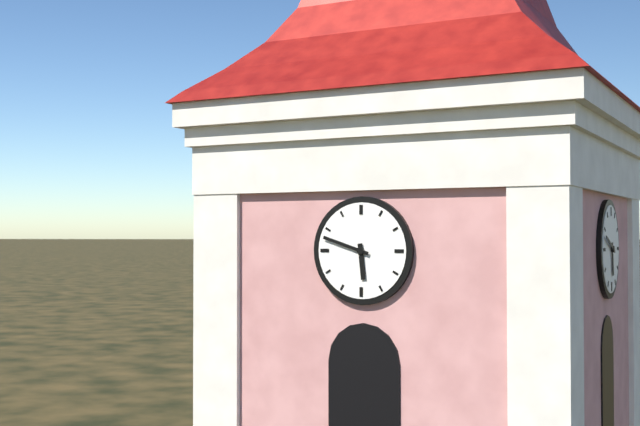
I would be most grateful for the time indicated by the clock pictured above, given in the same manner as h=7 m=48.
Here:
h=5 m=48
